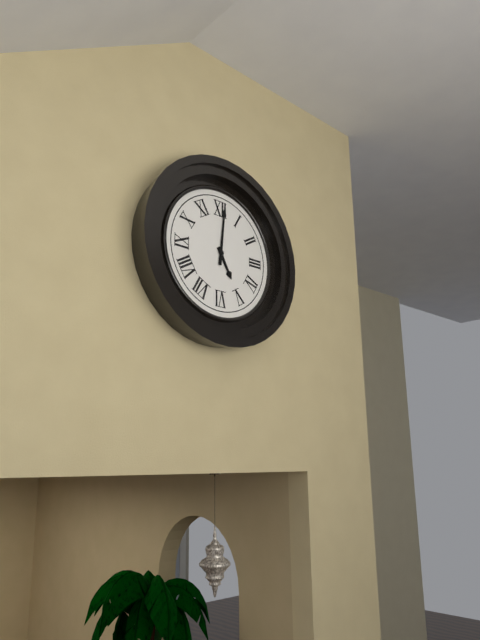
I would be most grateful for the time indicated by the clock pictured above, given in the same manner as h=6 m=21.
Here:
h=5 m=1
